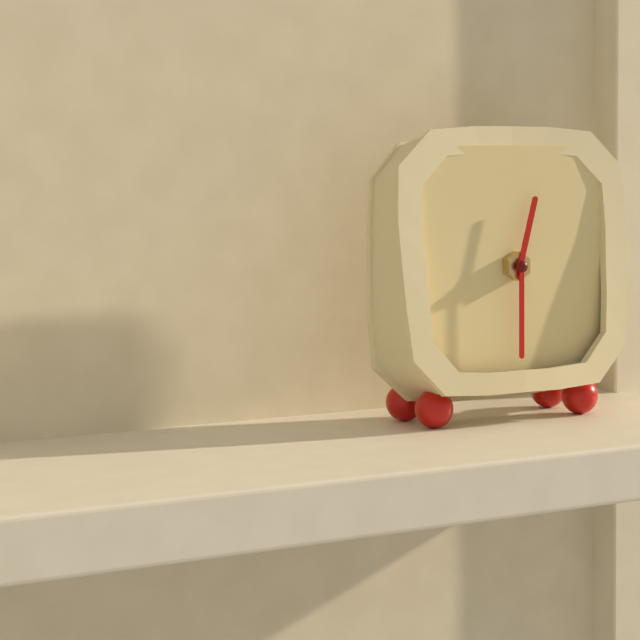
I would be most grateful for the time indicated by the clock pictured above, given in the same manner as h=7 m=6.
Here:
h=12 m=30
